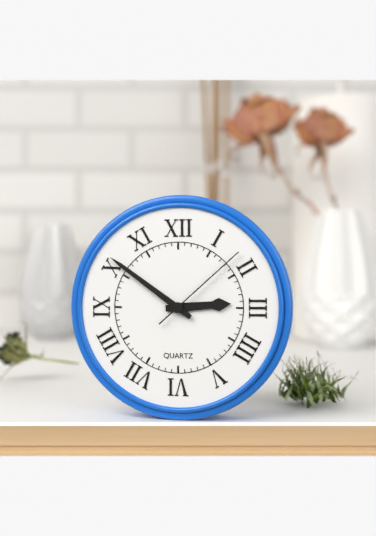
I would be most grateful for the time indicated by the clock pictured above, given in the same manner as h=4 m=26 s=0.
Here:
h=2 m=51 s=8
